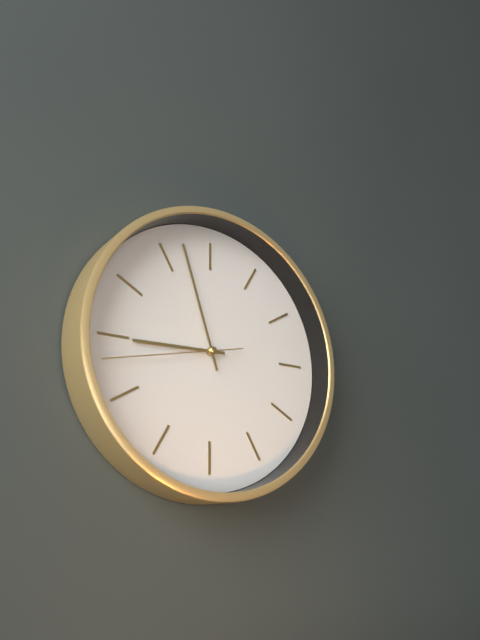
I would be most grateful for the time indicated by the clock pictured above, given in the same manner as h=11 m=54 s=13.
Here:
h=8 m=57 s=43
